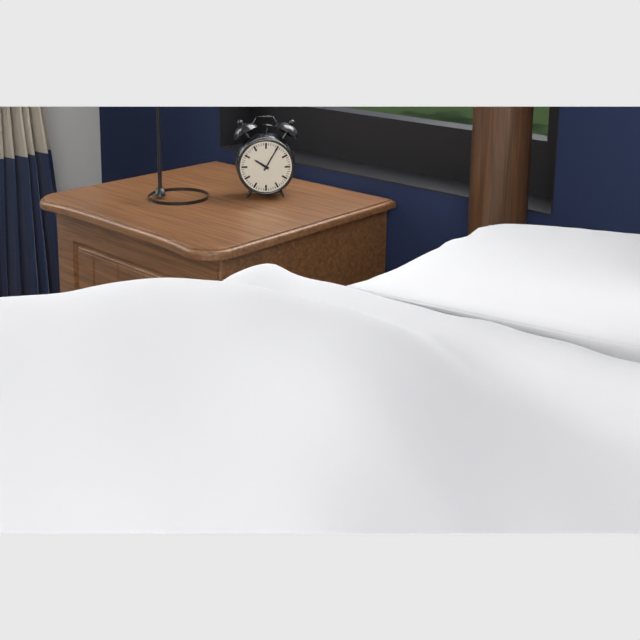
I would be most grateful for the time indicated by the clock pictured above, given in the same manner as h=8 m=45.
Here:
h=10 m=5
